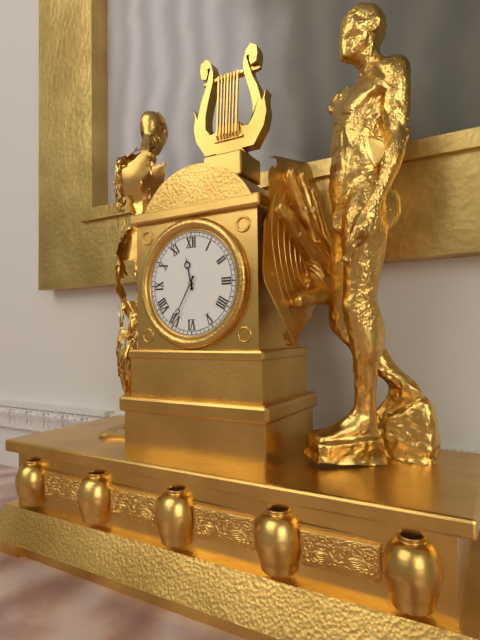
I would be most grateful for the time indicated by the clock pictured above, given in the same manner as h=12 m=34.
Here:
h=11 m=35
